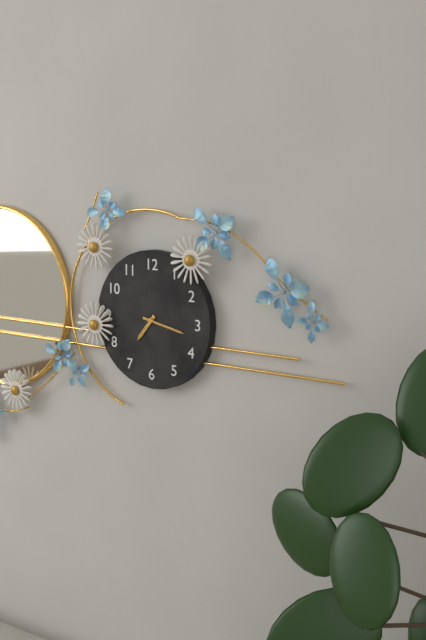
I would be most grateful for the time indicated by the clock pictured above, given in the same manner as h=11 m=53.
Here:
h=7 m=17
